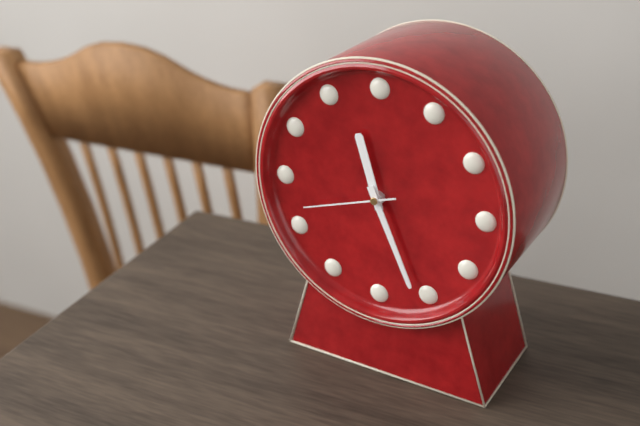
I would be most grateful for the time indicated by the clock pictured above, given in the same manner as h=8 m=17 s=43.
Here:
h=11 m=26 s=42
